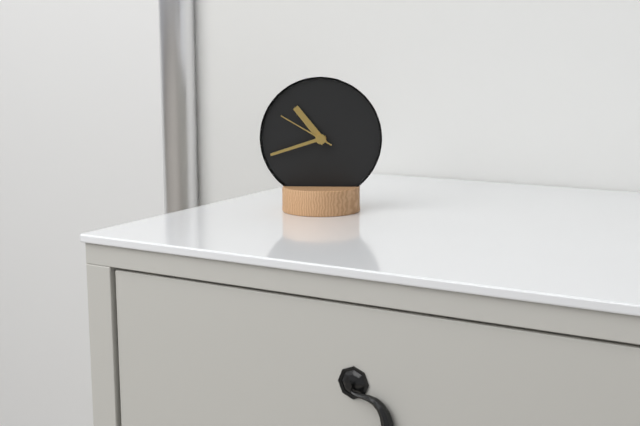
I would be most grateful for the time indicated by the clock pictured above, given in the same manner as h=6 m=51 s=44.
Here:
h=10 m=42 s=50
